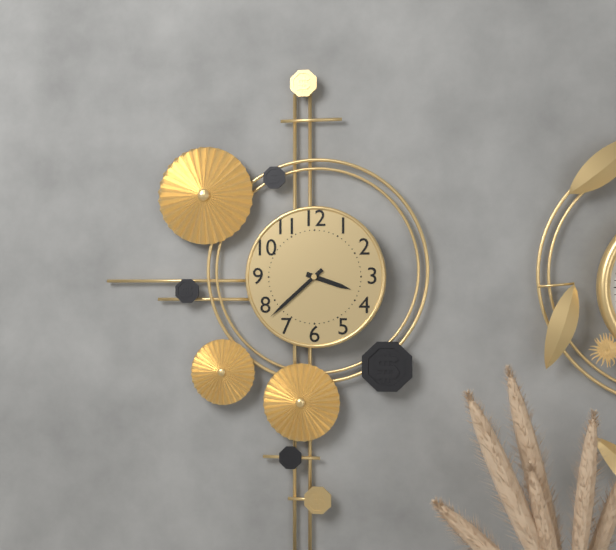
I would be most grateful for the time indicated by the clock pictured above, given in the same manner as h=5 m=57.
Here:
h=3 m=38
